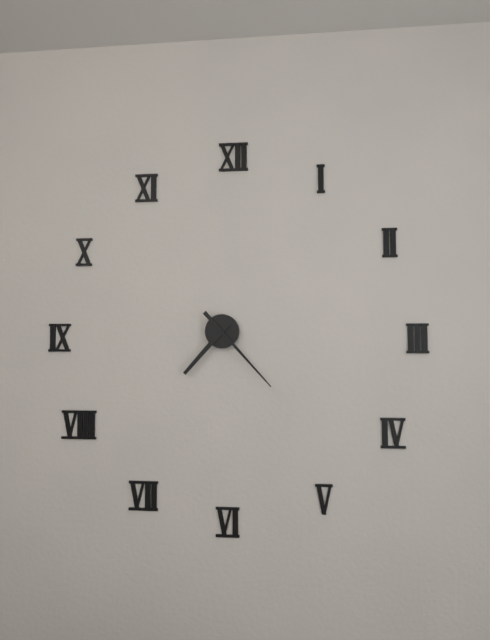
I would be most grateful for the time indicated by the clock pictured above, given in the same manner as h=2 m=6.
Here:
h=7 m=23
